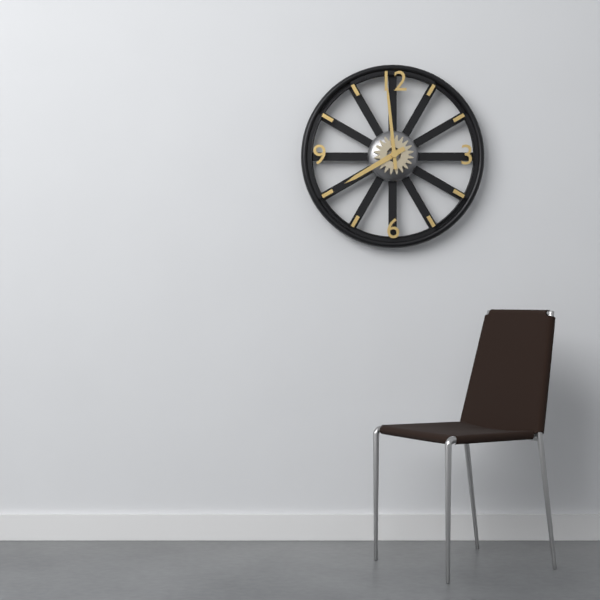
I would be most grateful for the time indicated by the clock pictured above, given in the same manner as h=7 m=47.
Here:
h=7 m=59
